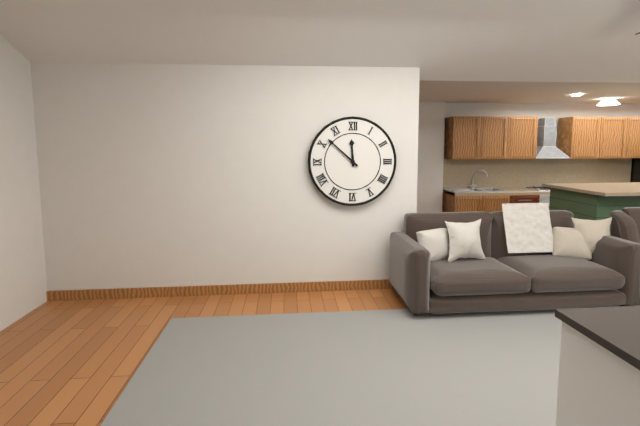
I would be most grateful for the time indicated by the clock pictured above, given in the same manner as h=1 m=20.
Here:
h=11 m=52
